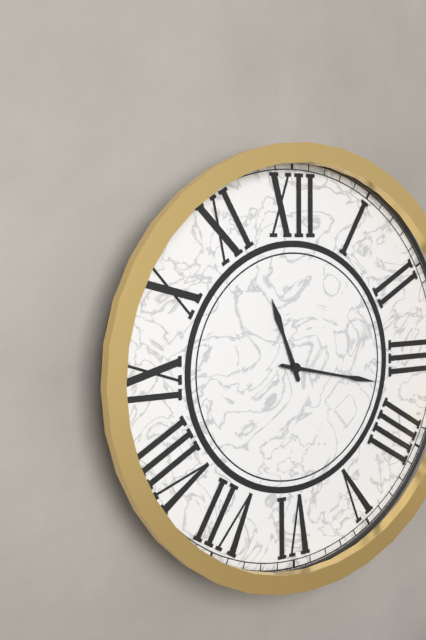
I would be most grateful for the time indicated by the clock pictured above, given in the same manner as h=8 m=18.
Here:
h=11 m=17
